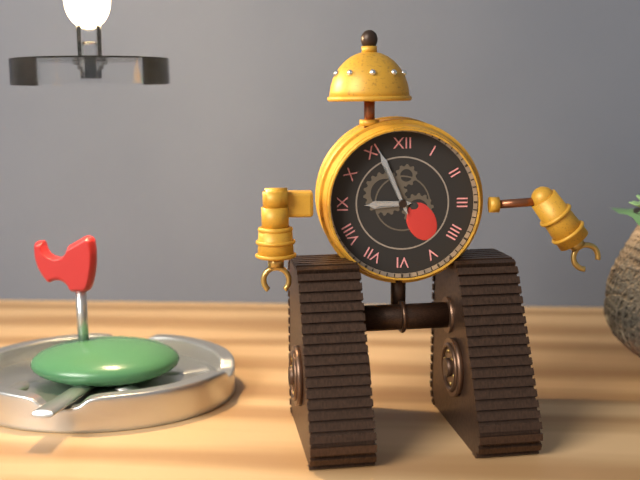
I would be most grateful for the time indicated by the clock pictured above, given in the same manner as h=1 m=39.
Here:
h=8 m=56
